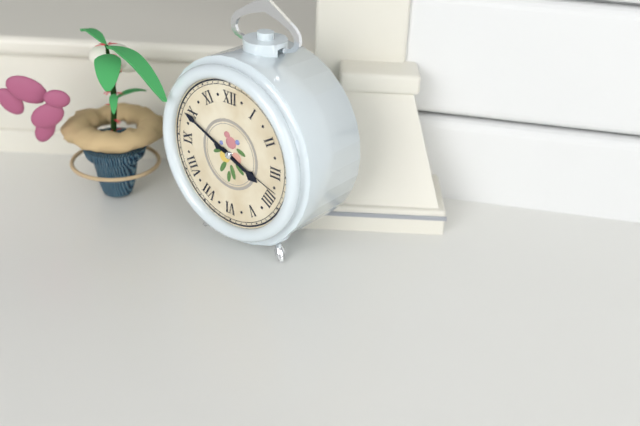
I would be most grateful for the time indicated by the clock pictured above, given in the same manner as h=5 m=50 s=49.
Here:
h=3 m=49 s=18
